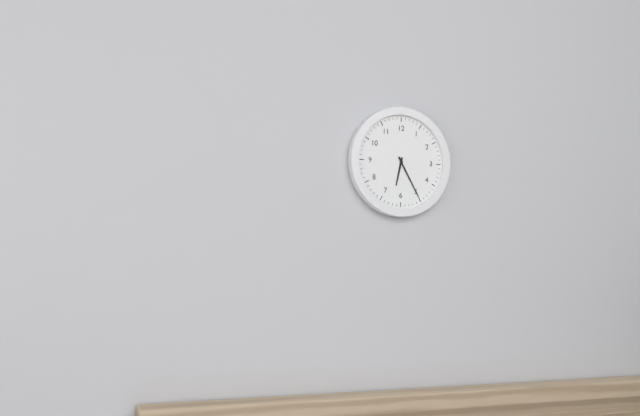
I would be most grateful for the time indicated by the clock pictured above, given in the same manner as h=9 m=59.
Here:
h=6 m=25
